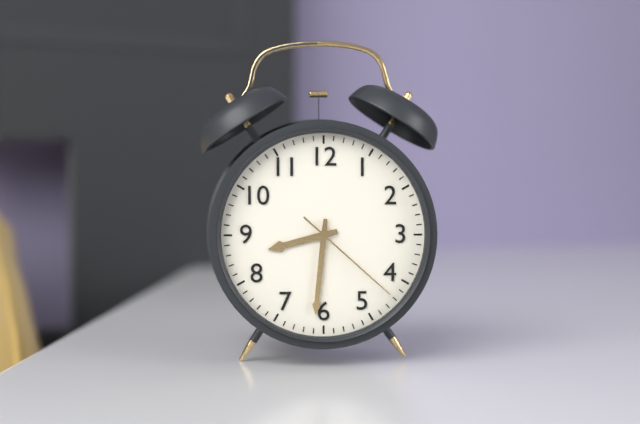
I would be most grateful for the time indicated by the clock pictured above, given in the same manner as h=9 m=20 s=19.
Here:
h=8 m=31 s=22
